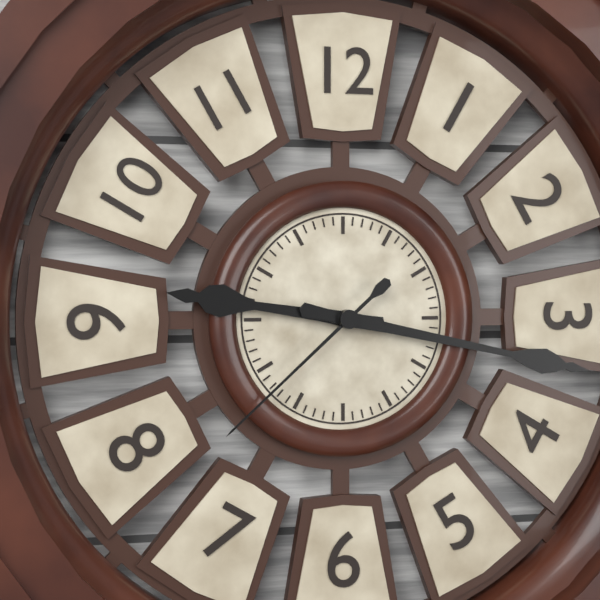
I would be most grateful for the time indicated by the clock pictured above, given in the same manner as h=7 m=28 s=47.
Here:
h=9 m=17 s=38
